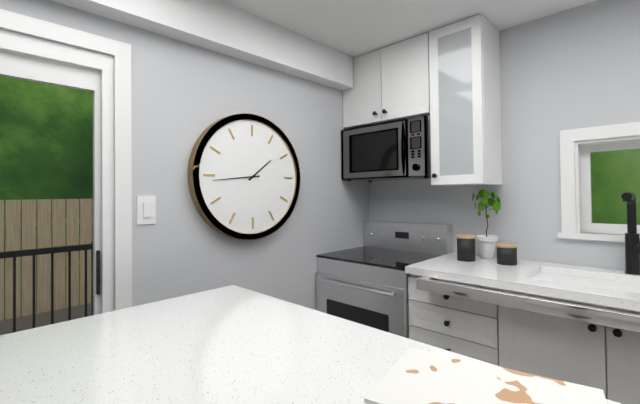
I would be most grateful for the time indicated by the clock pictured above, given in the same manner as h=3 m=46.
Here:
h=1 m=44
